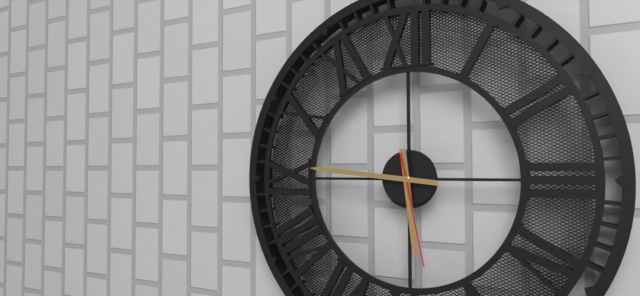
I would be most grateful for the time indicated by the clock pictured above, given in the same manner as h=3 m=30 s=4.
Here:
h=5 m=46 s=28
